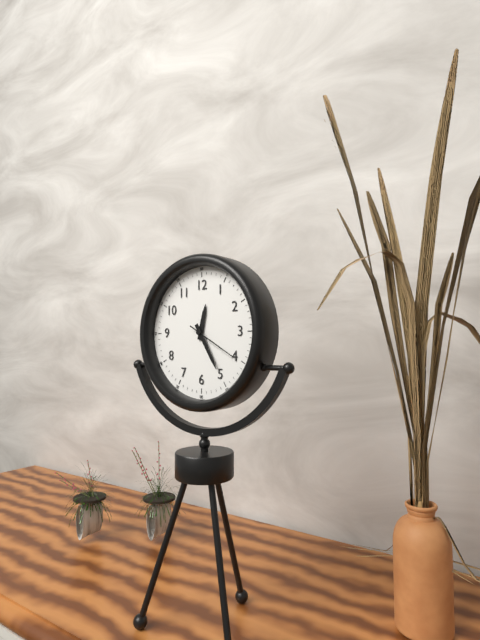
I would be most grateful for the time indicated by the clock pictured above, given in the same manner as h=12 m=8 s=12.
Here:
h=12 m=25 s=20
